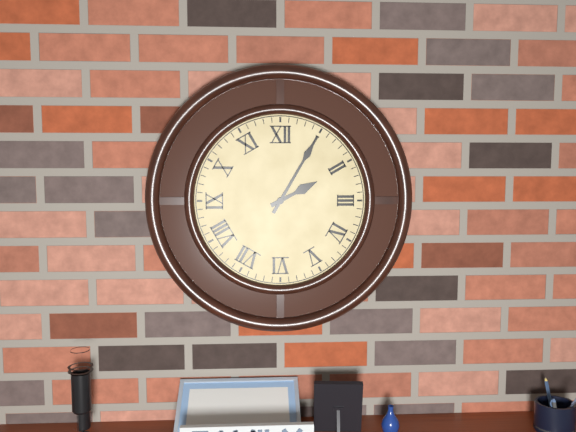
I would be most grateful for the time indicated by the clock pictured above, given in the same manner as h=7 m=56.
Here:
h=2 m=5
